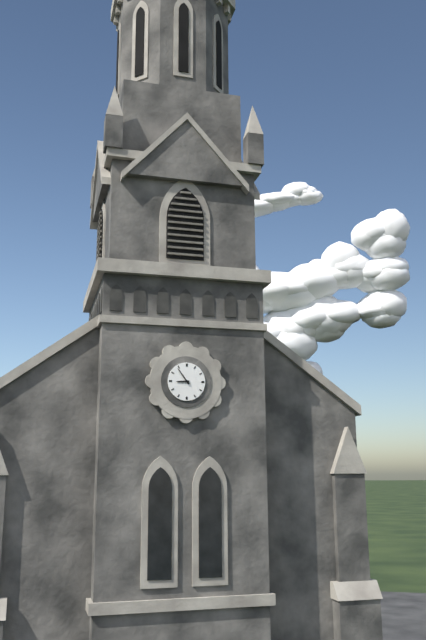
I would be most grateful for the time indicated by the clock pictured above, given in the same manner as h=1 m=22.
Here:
h=8 m=54
